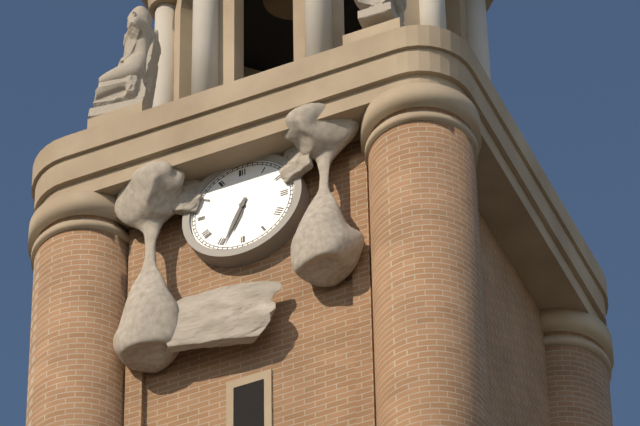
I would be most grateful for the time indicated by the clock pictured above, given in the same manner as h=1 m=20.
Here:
h=6 m=34
